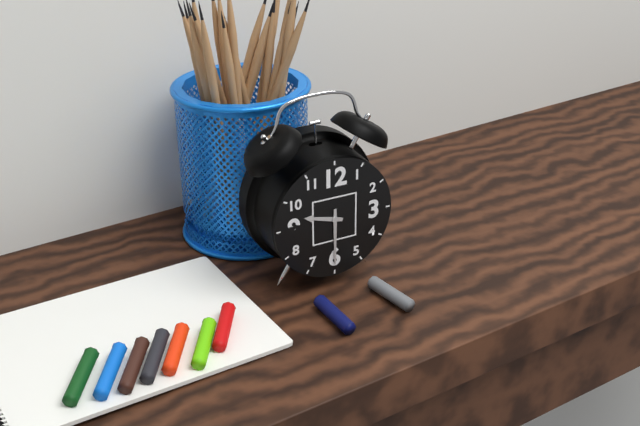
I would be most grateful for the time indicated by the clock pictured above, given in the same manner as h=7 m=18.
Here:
h=9 m=30
